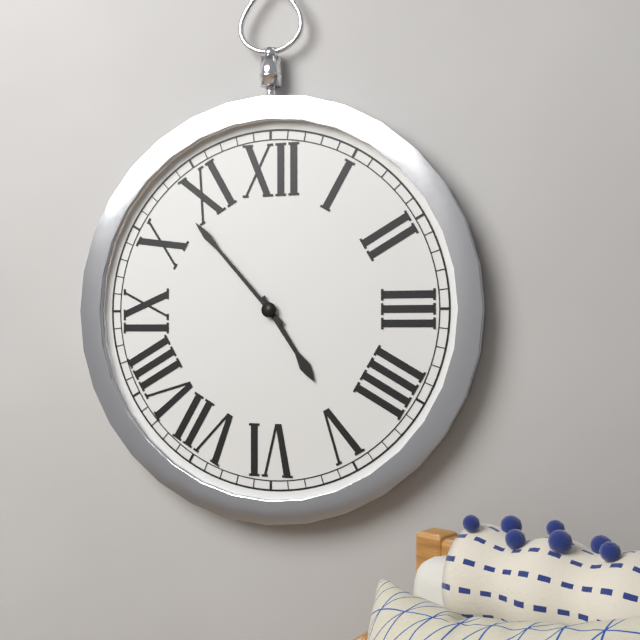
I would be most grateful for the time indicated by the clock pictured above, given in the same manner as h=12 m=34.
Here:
h=4 m=53
